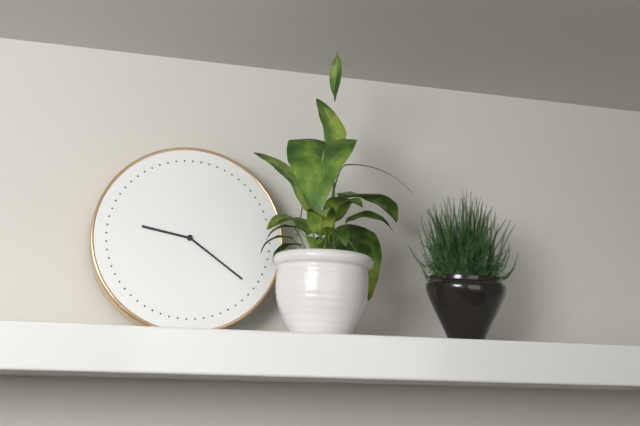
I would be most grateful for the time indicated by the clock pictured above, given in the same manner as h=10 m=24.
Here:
h=9 m=21
